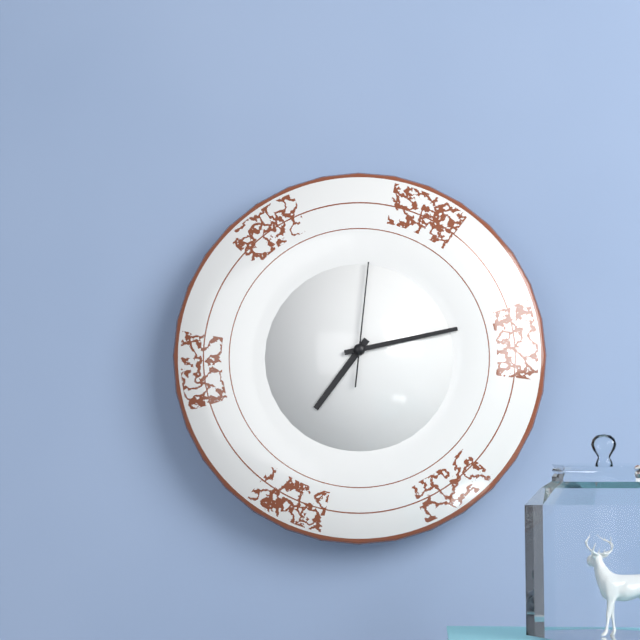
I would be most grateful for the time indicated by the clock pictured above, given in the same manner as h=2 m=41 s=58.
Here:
h=7 m=13 s=1
